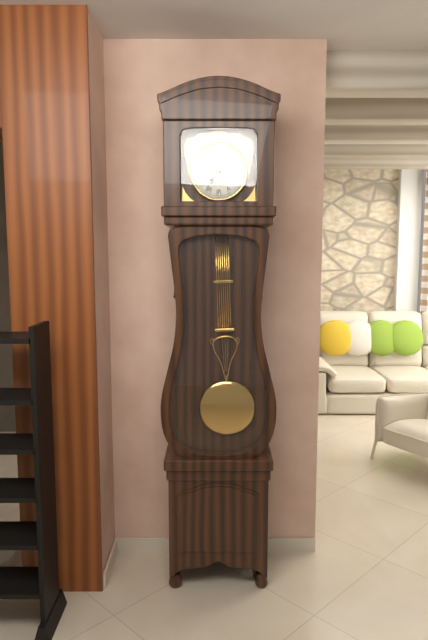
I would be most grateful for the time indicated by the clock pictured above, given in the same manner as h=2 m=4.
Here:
h=7 m=18
